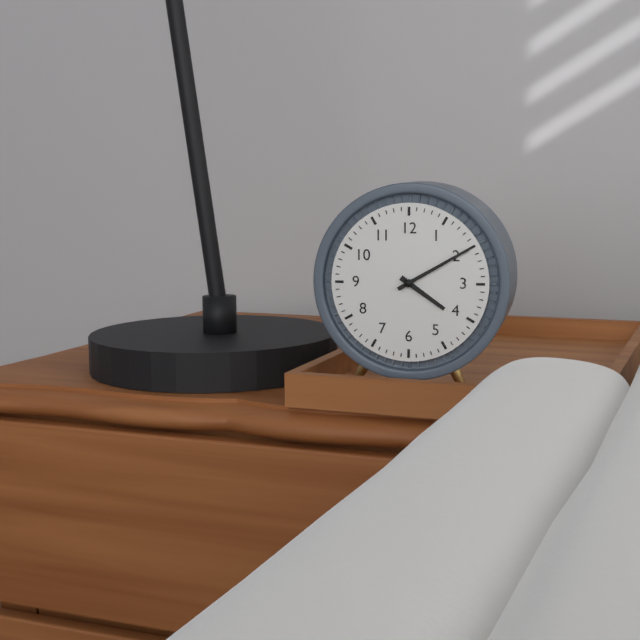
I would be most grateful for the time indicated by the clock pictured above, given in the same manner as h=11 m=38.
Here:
h=4 m=10
